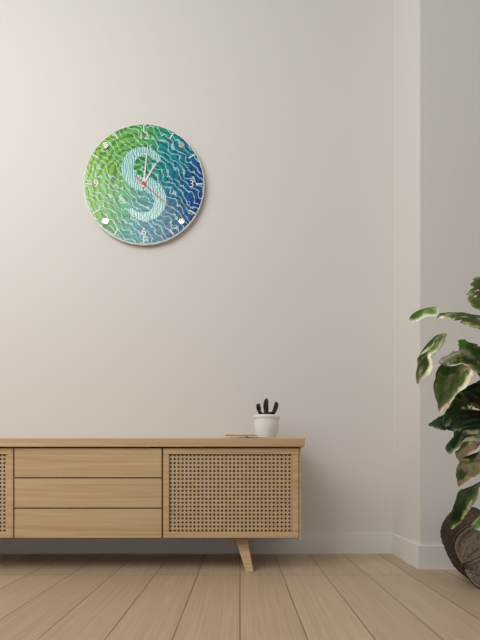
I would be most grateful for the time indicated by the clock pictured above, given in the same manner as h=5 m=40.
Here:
h=1 m=1
